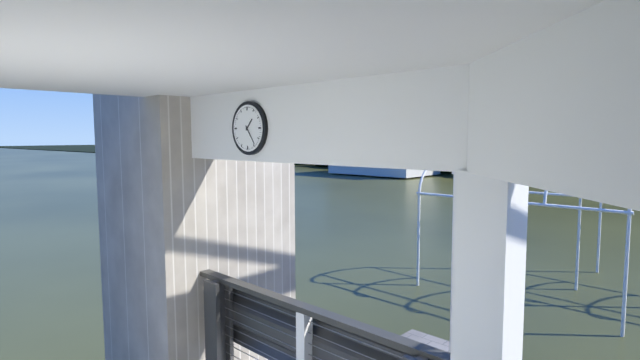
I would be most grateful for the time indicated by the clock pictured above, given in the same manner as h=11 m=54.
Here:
h=1 m=24
